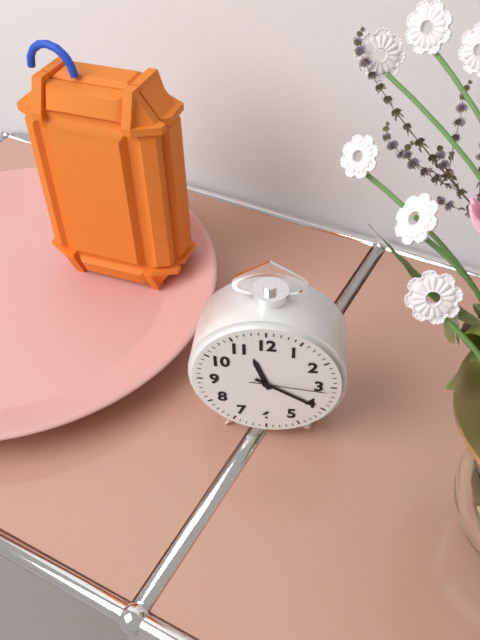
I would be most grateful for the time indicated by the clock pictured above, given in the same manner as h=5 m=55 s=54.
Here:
h=11 m=20 s=16
